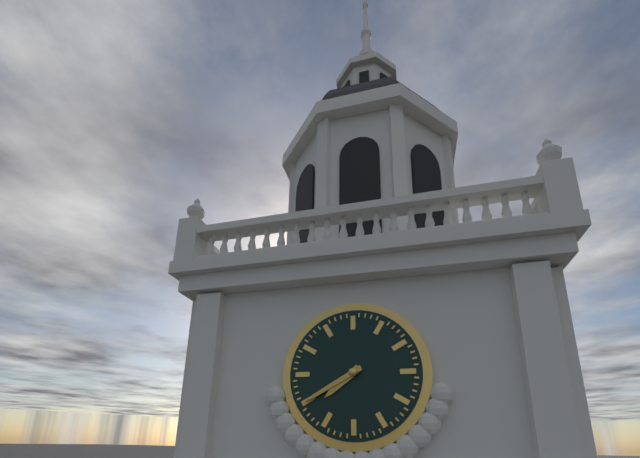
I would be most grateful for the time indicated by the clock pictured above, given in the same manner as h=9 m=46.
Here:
h=7 m=40
